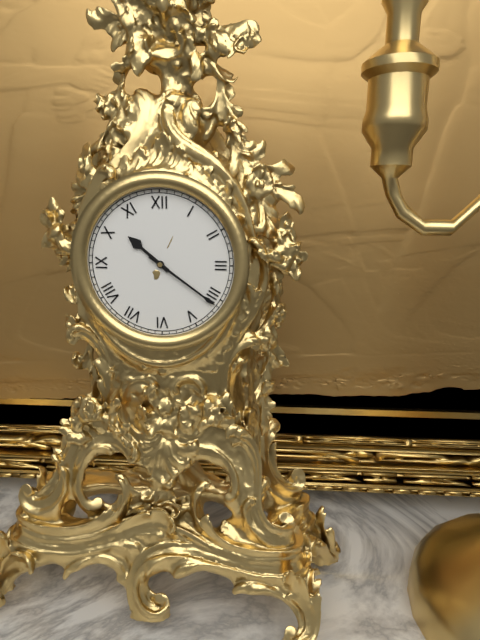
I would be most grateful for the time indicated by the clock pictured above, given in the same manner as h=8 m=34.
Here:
h=10 m=21
